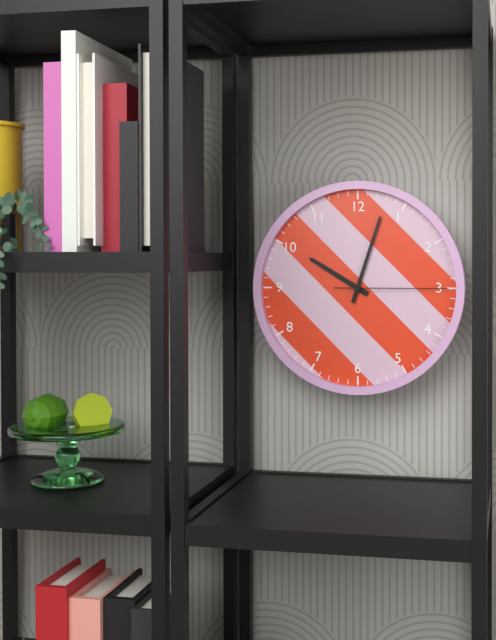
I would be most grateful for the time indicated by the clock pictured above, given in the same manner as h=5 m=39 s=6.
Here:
h=10 m=3 s=15
